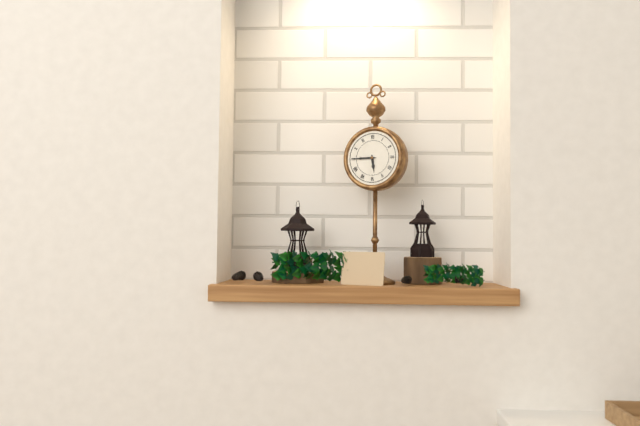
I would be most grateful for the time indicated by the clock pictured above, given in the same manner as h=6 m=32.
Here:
h=5 m=45
